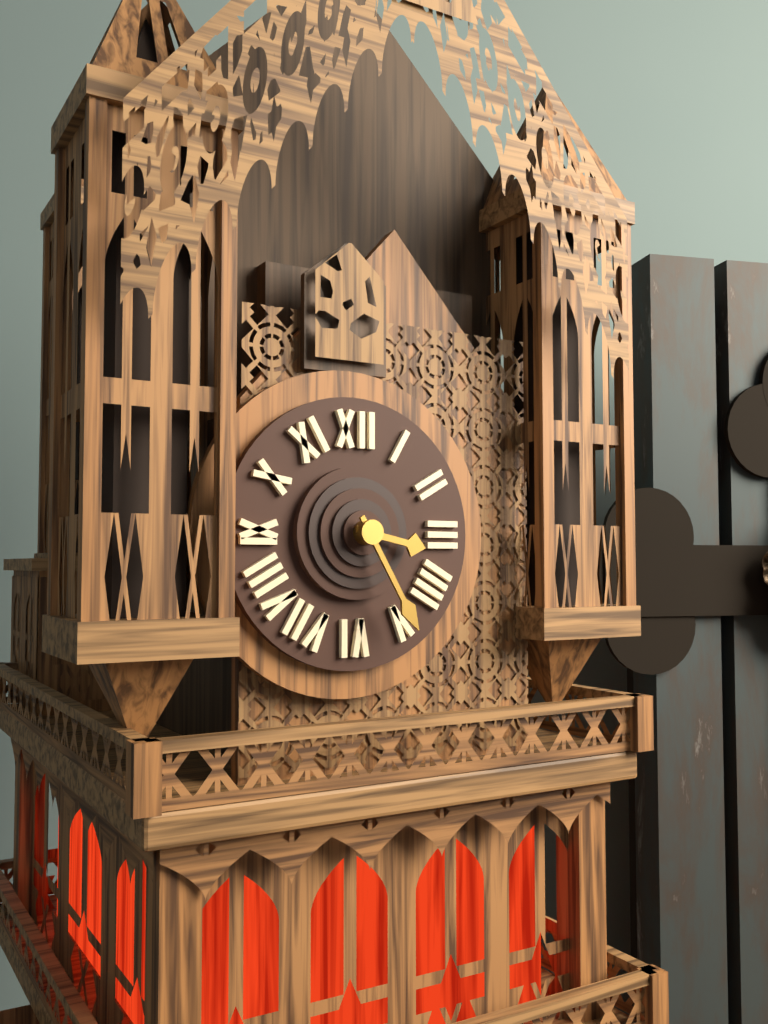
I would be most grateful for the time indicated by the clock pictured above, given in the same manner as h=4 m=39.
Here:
h=3 m=25
